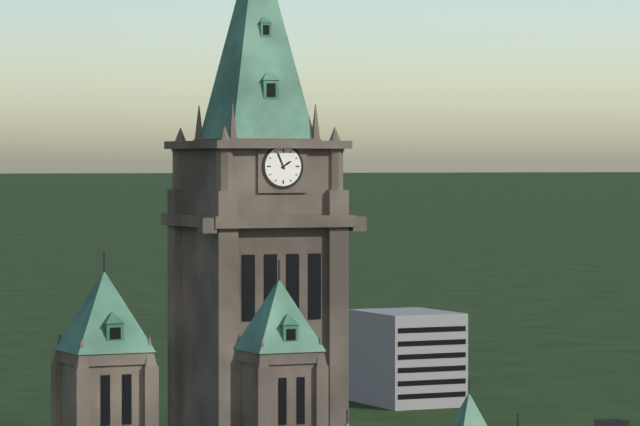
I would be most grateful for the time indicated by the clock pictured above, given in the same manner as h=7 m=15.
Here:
h=1 m=56
